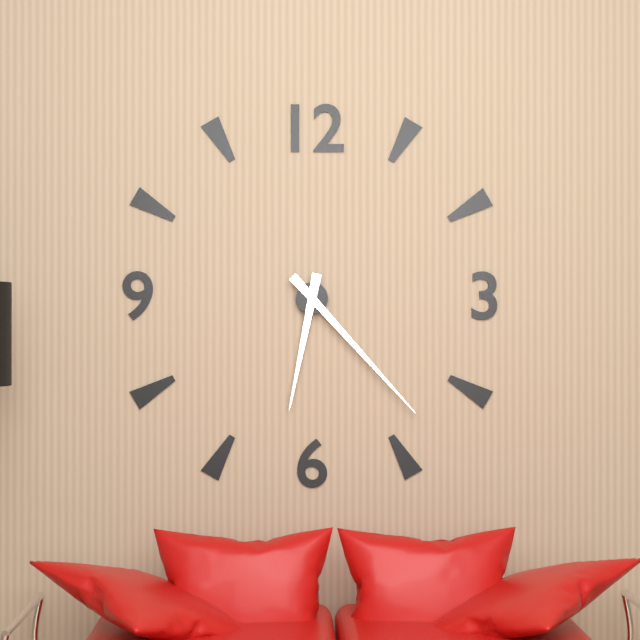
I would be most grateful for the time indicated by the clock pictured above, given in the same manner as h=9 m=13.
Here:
h=6 m=23
